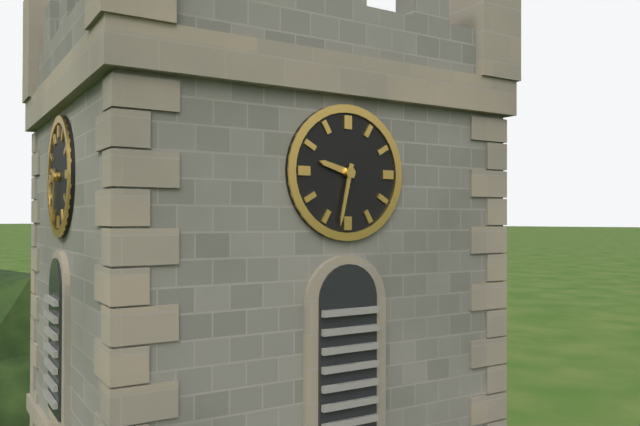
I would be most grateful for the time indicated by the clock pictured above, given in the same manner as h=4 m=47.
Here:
h=9 m=32
